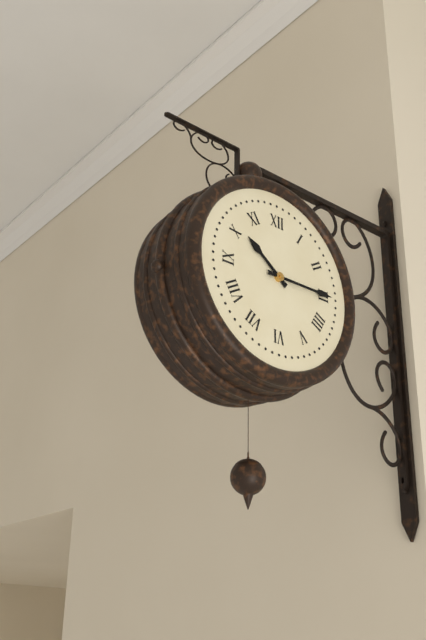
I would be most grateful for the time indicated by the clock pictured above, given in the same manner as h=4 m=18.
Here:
h=10 m=15
